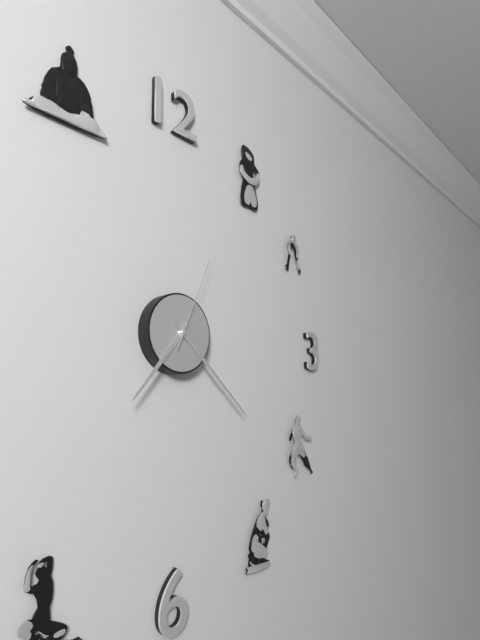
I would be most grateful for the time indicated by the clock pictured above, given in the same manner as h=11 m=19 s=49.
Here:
h=7 m=22 s=4
